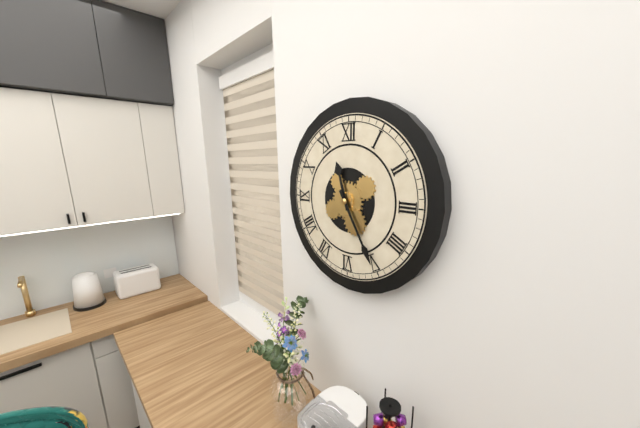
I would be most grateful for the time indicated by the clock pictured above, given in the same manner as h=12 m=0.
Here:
h=11 m=25
